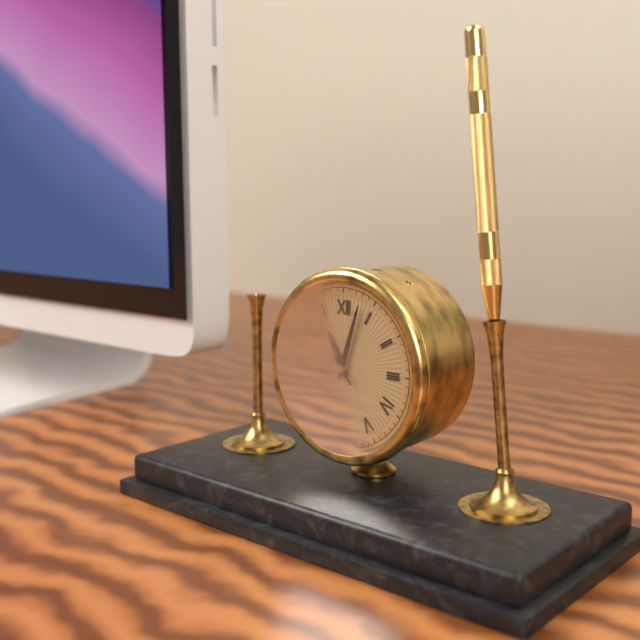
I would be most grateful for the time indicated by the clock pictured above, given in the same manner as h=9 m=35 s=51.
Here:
h=11 m=3 s=53
